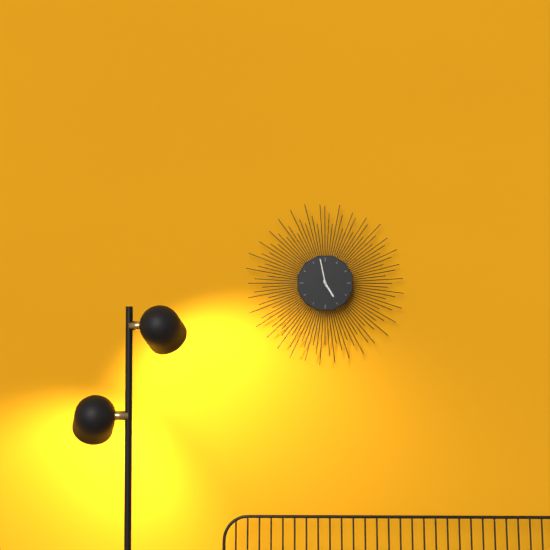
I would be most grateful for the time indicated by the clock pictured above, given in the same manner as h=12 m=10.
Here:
h=4 m=58
